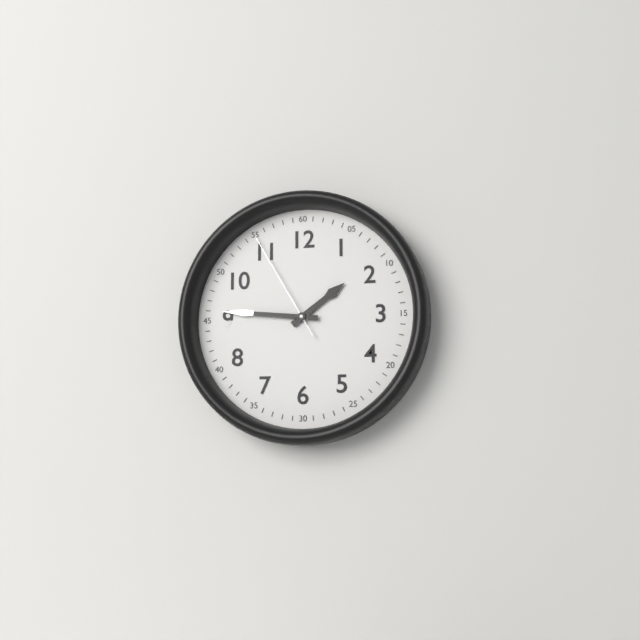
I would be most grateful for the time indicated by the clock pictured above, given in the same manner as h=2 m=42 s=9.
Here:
h=1 m=46 s=55
